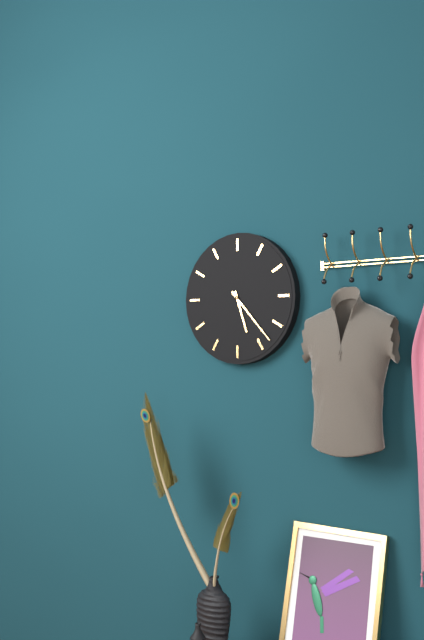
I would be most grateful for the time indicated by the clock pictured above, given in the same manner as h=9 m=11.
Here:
h=5 m=23
